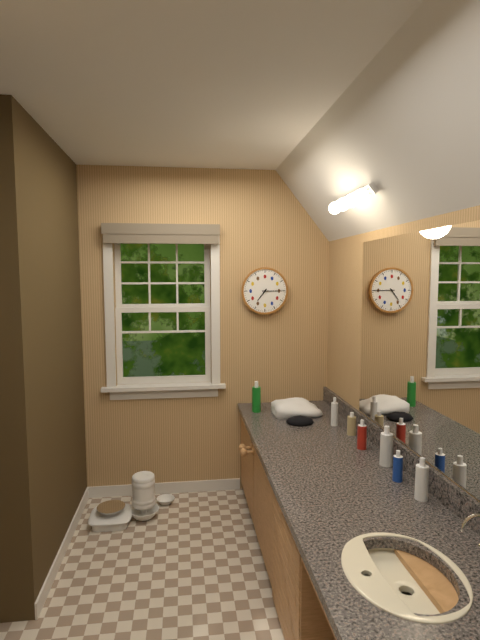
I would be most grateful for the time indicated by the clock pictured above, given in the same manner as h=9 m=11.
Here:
h=7 m=15
